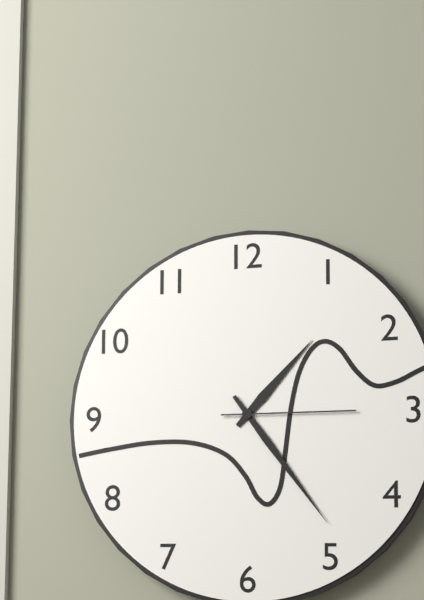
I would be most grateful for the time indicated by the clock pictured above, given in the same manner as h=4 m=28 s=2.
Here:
h=1 m=24 s=15
